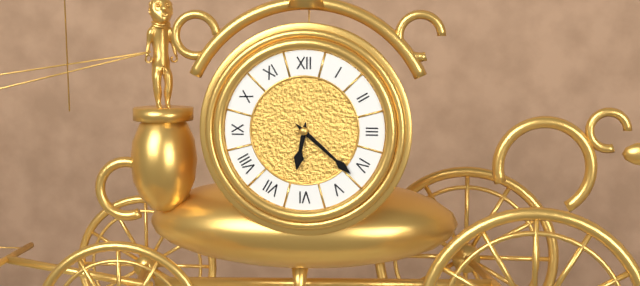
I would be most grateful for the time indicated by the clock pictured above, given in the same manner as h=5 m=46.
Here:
h=6 m=22
